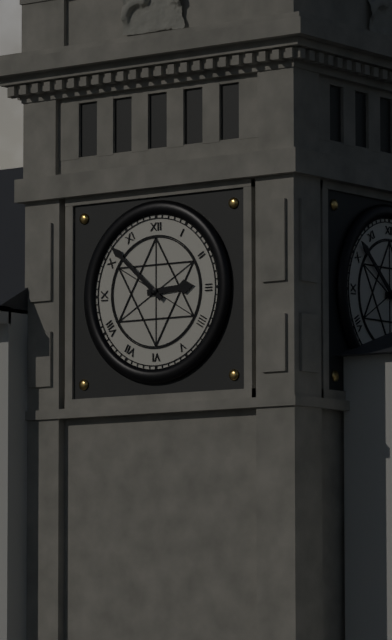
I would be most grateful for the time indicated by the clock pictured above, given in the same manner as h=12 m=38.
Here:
h=2 m=52
